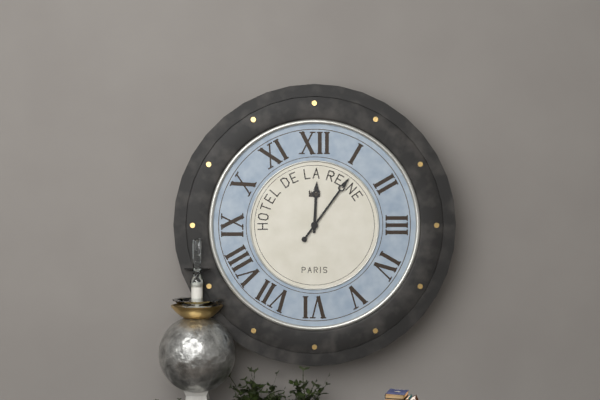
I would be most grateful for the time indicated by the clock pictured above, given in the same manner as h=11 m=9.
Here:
h=12 m=6
